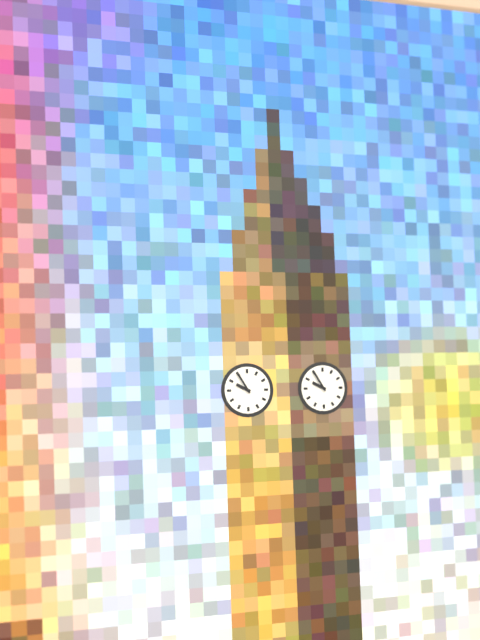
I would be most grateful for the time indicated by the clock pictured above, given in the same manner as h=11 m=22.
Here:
h=9 m=55
